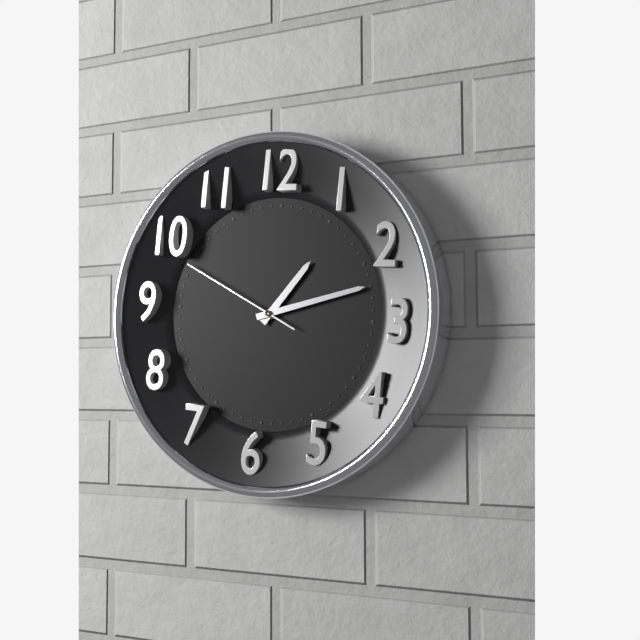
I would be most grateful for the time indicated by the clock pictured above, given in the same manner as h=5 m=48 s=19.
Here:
h=1 m=12 s=49
